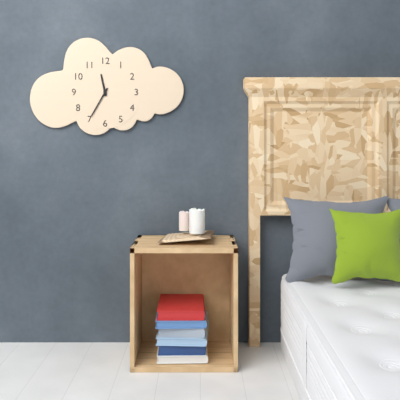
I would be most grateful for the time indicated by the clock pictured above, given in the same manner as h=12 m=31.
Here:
h=11 m=35
